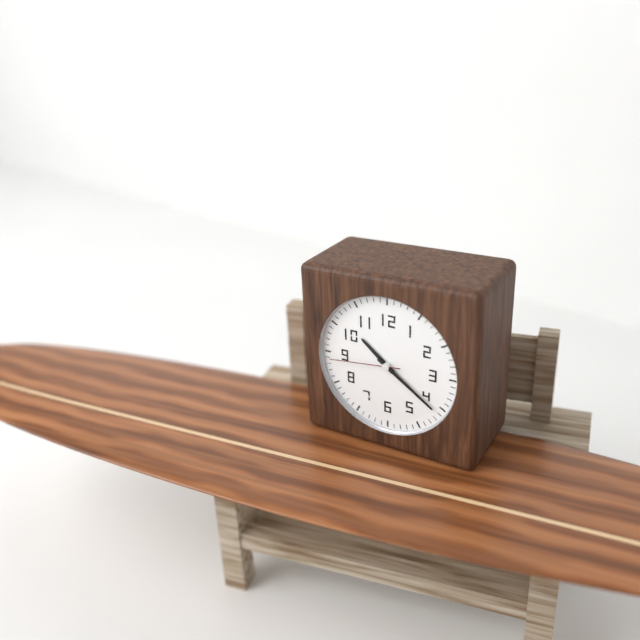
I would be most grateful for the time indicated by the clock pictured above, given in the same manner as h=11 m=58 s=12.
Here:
h=10 m=21 s=44
